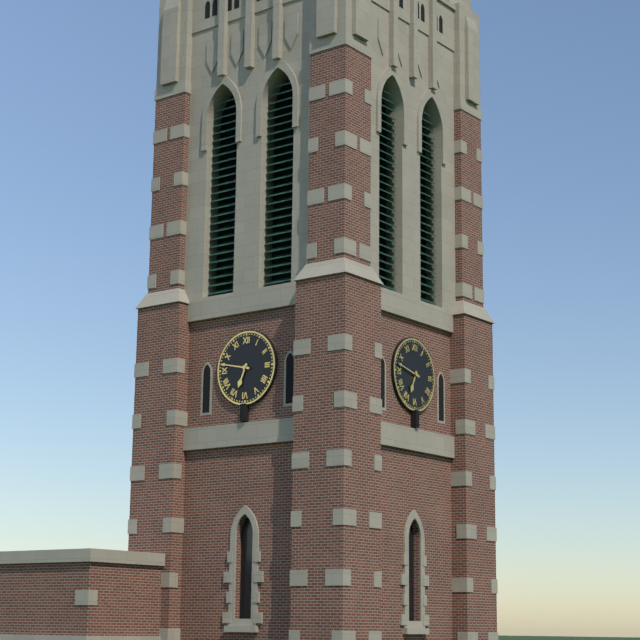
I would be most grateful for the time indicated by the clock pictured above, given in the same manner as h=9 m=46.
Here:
h=6 m=47
